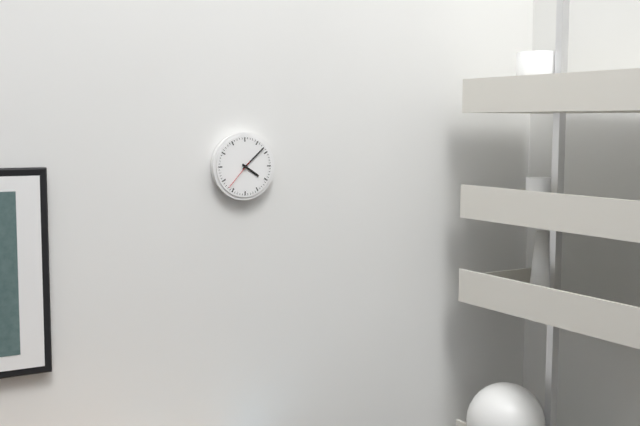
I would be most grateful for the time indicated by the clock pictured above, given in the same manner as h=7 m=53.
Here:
h=4 m=8
